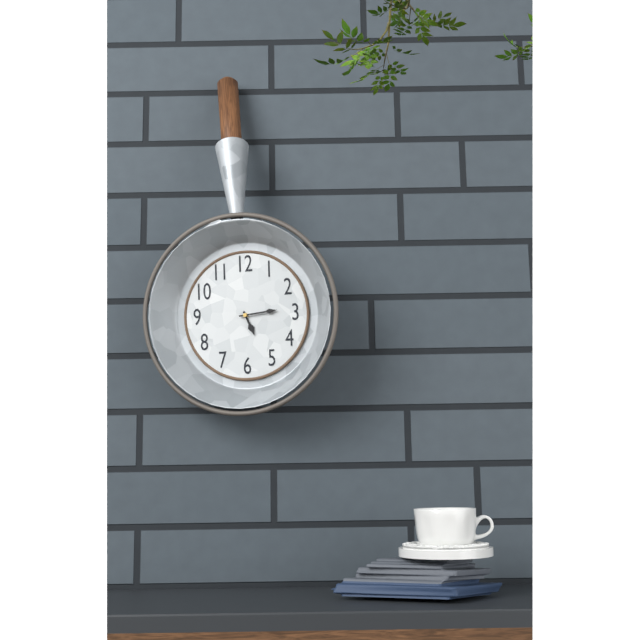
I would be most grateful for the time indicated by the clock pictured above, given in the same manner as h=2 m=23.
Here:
h=5 m=14
